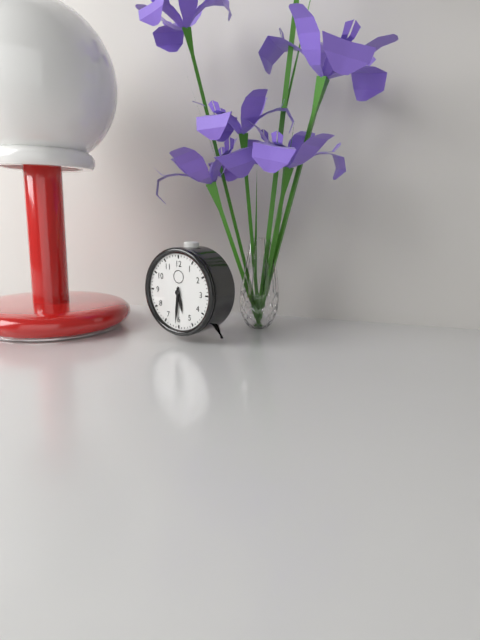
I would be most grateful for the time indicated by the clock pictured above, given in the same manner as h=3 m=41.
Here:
h=5 m=31
